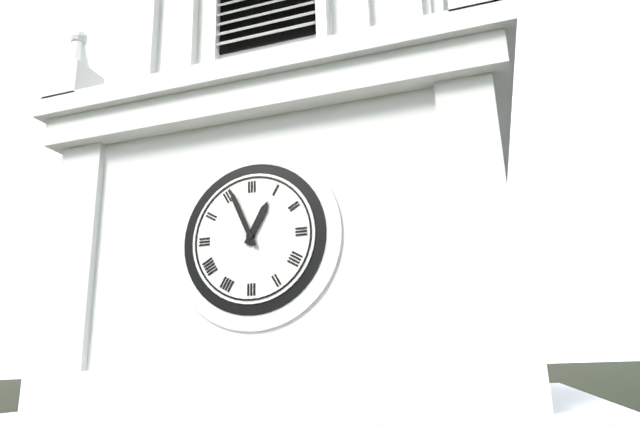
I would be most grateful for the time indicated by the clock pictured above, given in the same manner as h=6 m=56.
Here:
h=12 m=56
